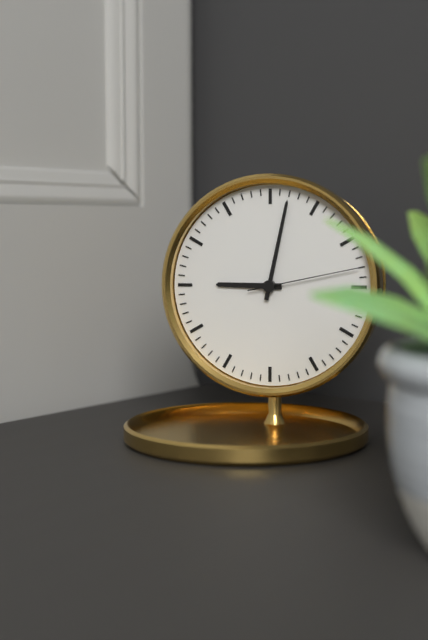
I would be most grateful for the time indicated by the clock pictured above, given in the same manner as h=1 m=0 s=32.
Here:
h=9 m=2 s=13
